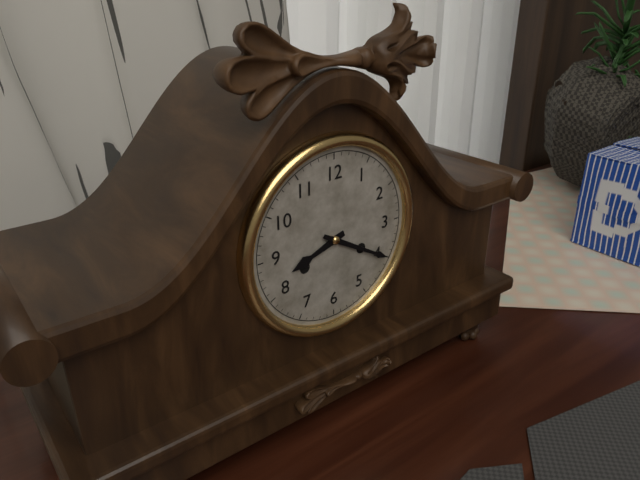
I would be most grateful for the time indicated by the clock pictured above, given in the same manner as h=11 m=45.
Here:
h=8 m=20
